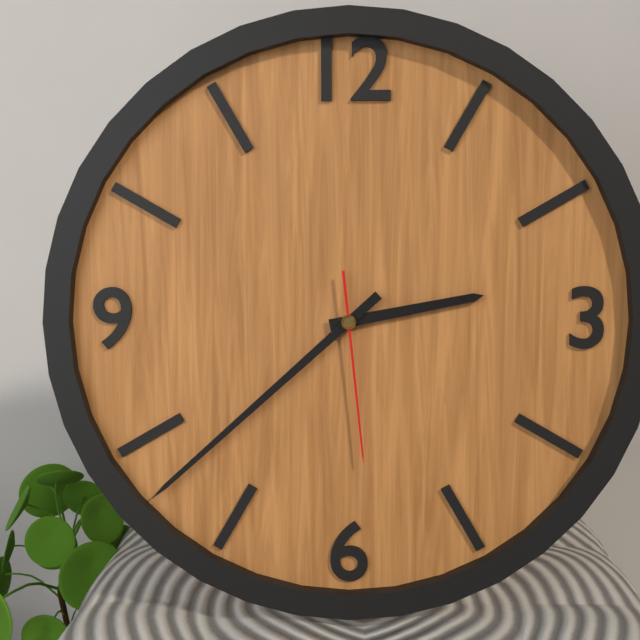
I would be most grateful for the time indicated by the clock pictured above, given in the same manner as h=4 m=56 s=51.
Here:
h=2 m=38 s=29
